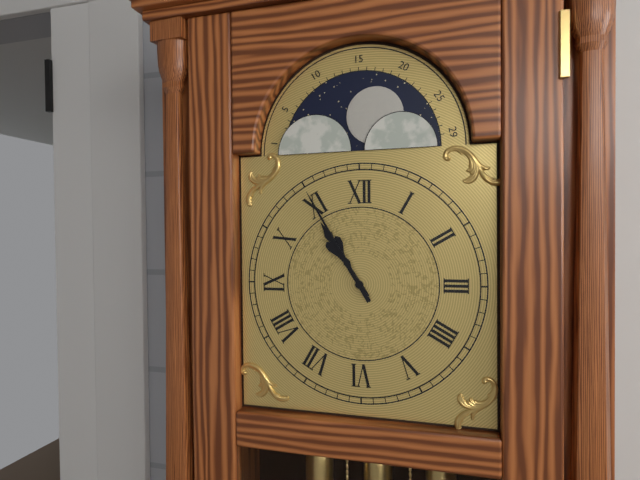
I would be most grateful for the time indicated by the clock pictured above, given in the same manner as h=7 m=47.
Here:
h=10 m=55
